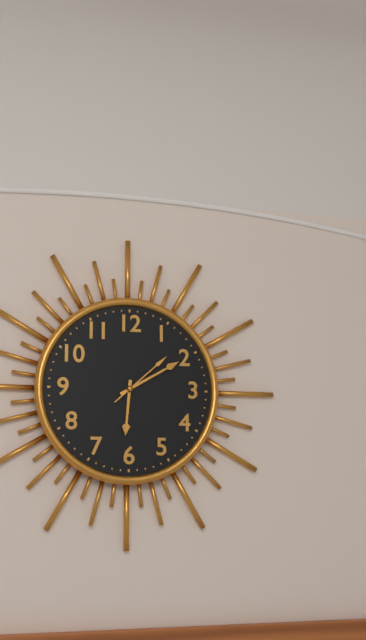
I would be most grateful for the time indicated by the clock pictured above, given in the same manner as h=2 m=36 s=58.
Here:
h=6 m=10 s=8
